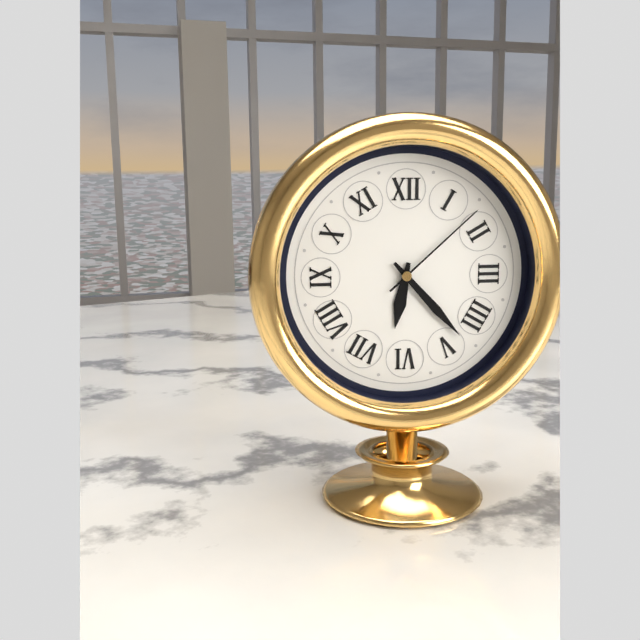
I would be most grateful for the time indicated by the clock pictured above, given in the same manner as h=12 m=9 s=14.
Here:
h=6 m=23 s=8
